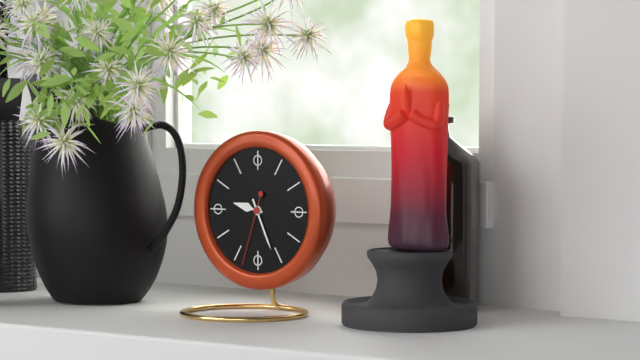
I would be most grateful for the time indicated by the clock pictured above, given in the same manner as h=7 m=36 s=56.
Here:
h=9 m=26 s=33
